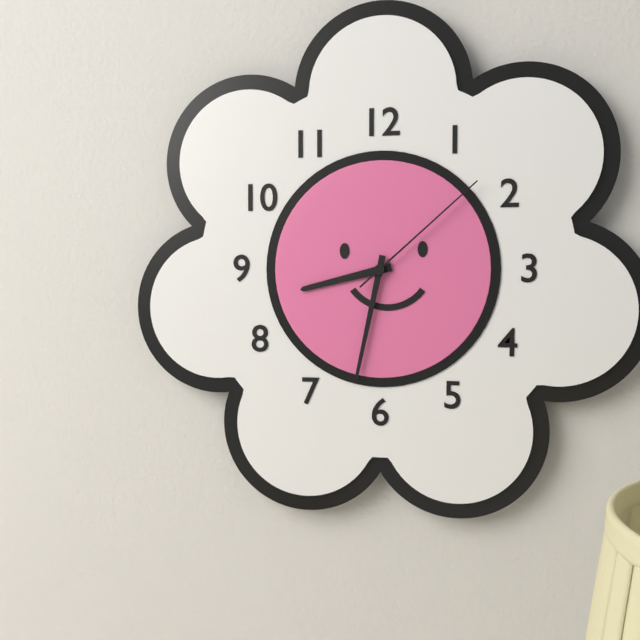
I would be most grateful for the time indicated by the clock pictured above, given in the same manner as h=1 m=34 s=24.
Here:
h=8 m=32 s=8
